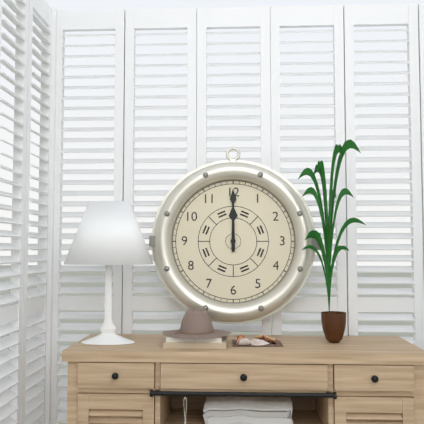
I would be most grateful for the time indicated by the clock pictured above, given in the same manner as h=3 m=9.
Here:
h=12 m=0
